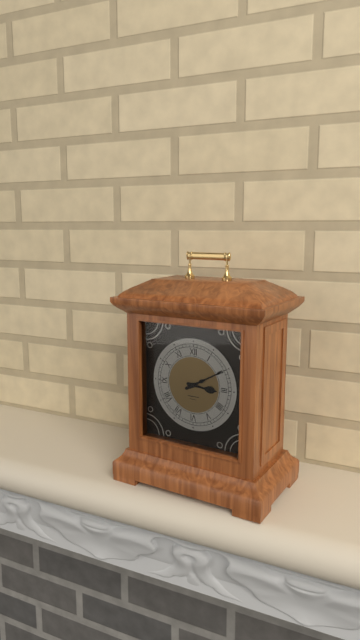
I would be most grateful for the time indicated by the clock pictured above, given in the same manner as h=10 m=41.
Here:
h=3 m=10
